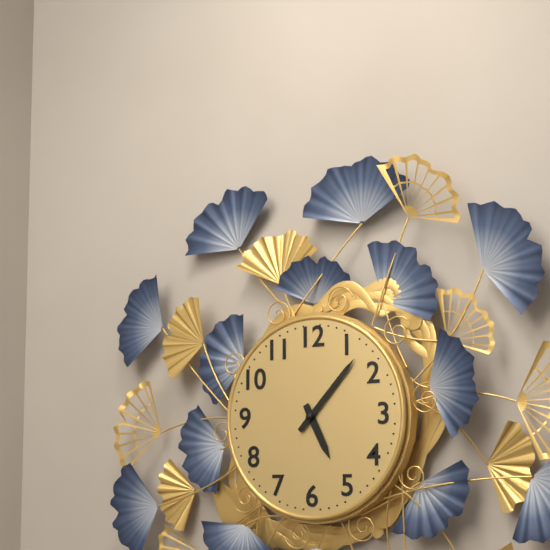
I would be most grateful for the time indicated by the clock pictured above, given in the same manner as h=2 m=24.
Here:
h=5 m=7
